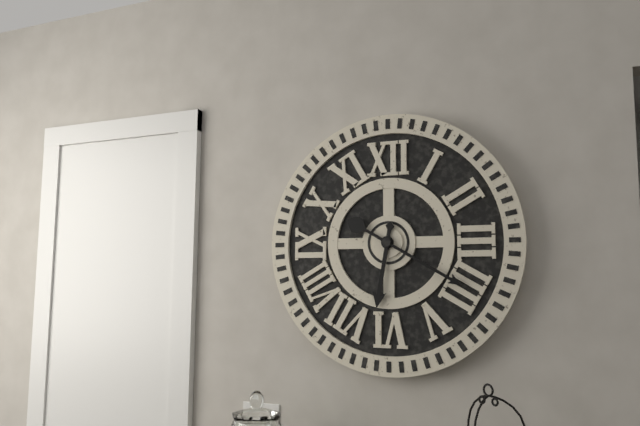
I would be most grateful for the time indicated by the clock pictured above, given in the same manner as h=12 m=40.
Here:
h=6 m=20
